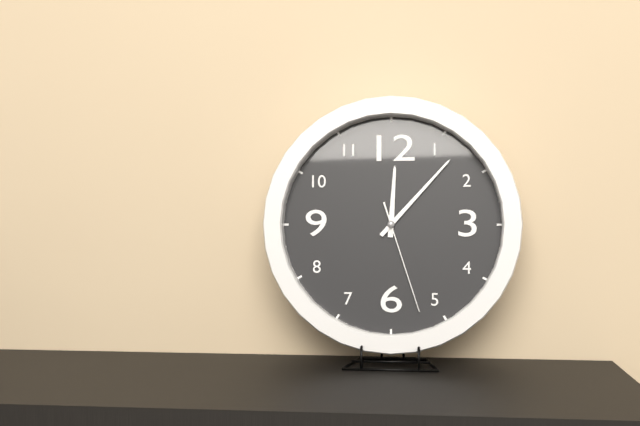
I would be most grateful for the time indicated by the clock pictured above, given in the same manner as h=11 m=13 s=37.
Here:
h=12 m=7 s=27
